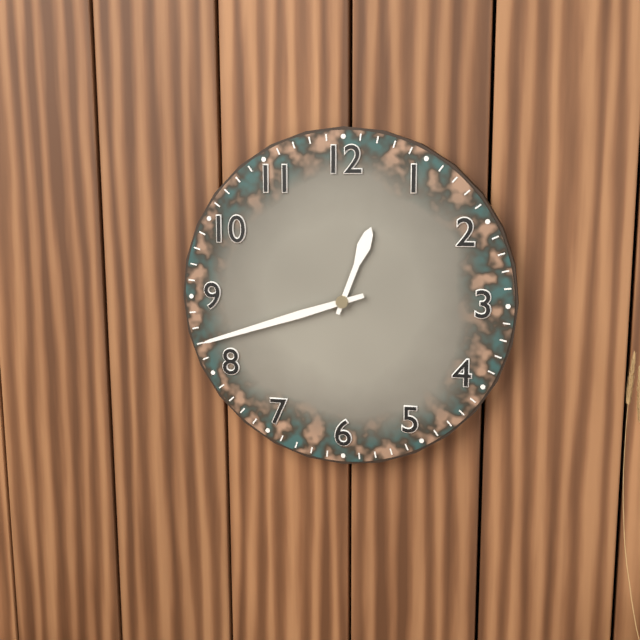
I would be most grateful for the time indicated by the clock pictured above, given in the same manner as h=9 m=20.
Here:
h=12 m=42
